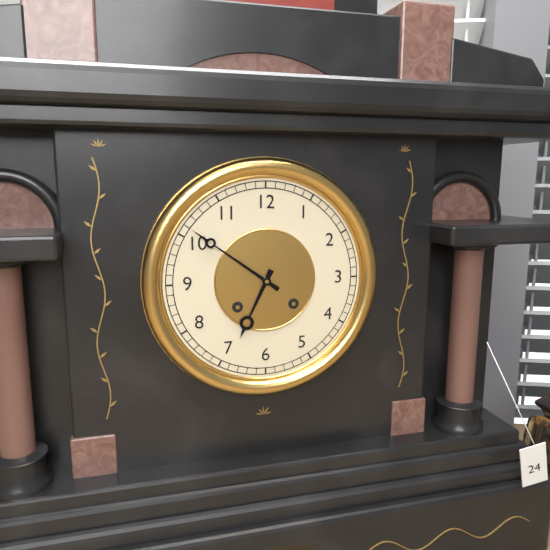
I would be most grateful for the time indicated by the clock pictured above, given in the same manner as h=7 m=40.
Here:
h=6 m=51
